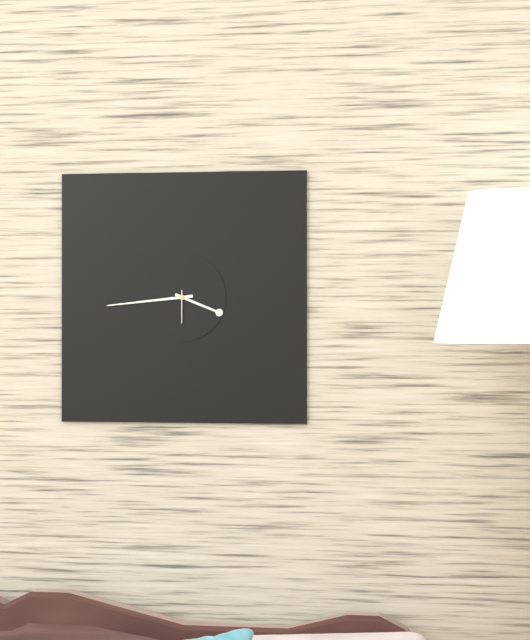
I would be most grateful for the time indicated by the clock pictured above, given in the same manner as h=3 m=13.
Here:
h=3 m=44
